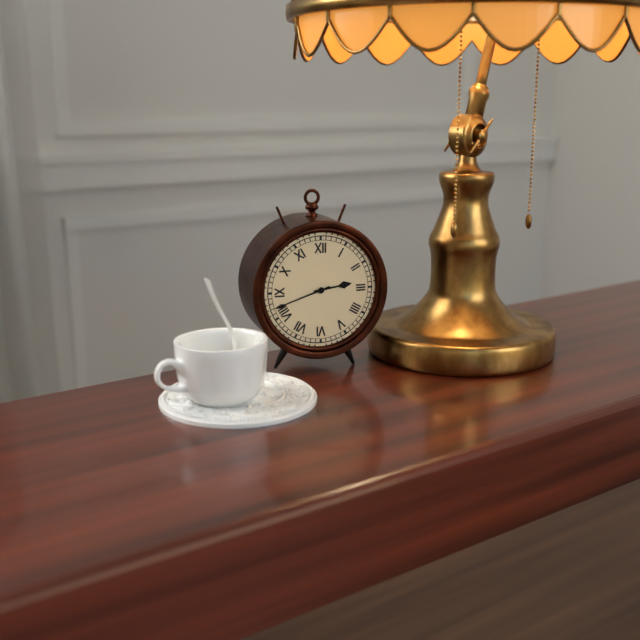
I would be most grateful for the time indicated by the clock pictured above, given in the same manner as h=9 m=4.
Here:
h=2 m=42
